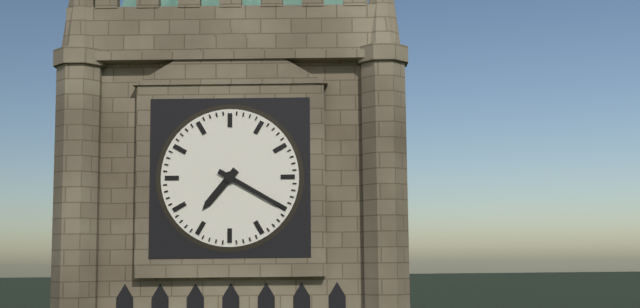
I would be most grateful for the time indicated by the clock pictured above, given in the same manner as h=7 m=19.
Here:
h=7 m=20
